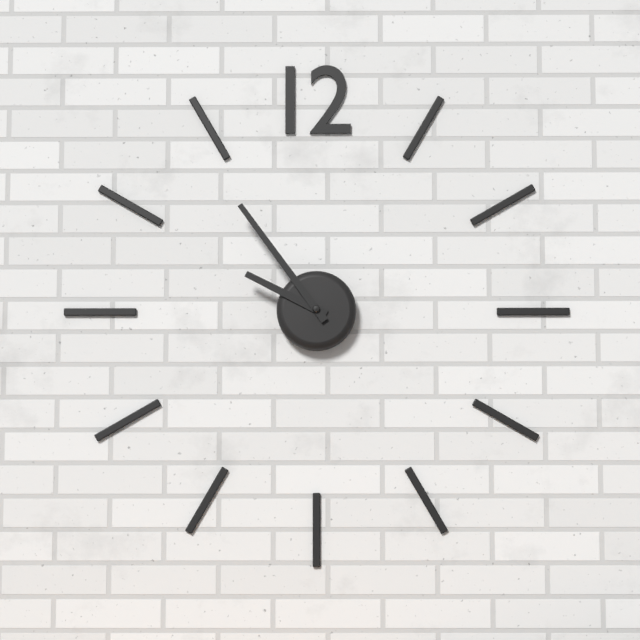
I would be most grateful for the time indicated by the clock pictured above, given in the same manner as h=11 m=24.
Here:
h=9 m=54
